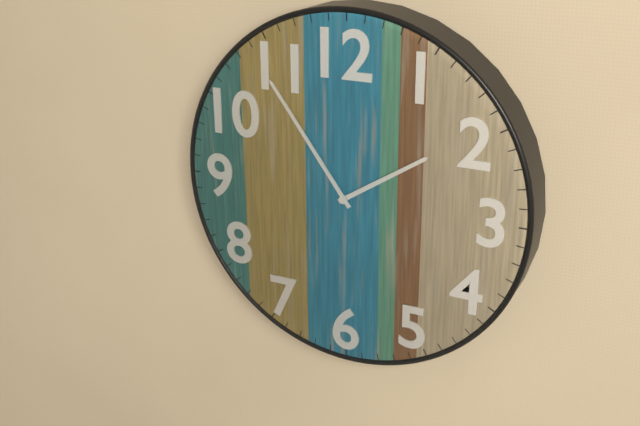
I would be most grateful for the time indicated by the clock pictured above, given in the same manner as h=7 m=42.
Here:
h=1 m=54
